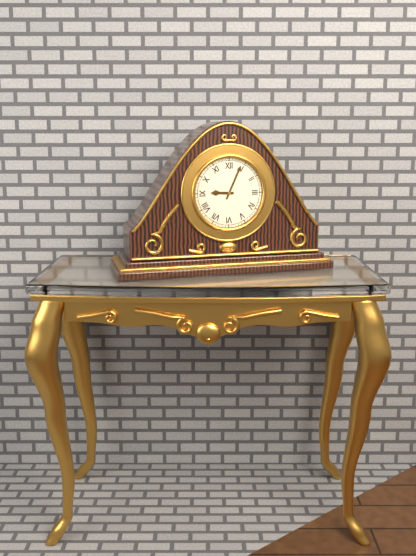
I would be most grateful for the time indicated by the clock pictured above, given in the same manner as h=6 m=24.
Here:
h=9 m=4
